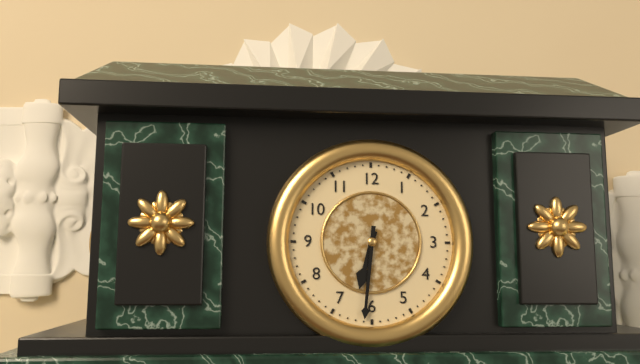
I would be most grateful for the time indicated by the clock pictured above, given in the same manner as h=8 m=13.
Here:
h=6 m=31
